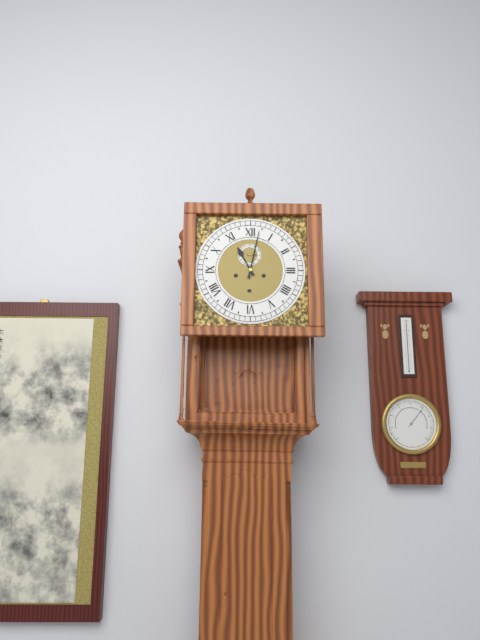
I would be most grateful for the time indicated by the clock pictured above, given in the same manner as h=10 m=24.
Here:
h=11 m=2
